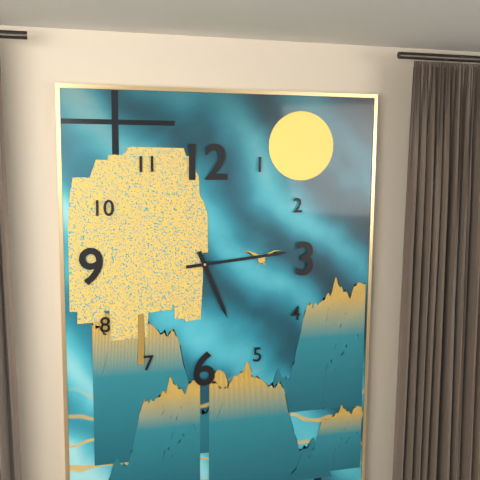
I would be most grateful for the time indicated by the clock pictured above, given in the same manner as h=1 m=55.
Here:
h=5 m=14
